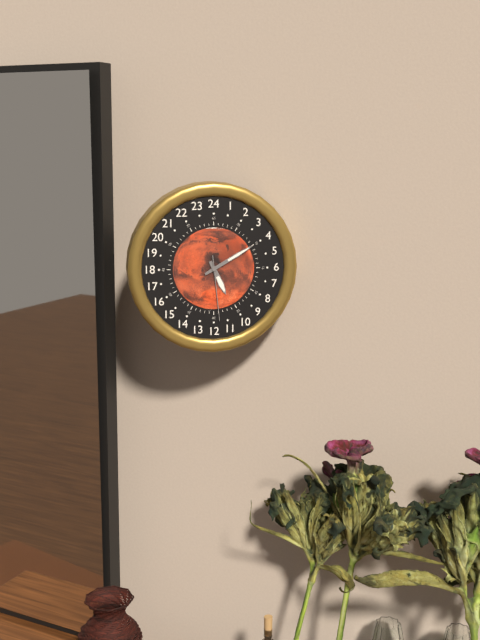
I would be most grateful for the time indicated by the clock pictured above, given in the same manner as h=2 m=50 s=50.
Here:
h=5 m=10 s=29
